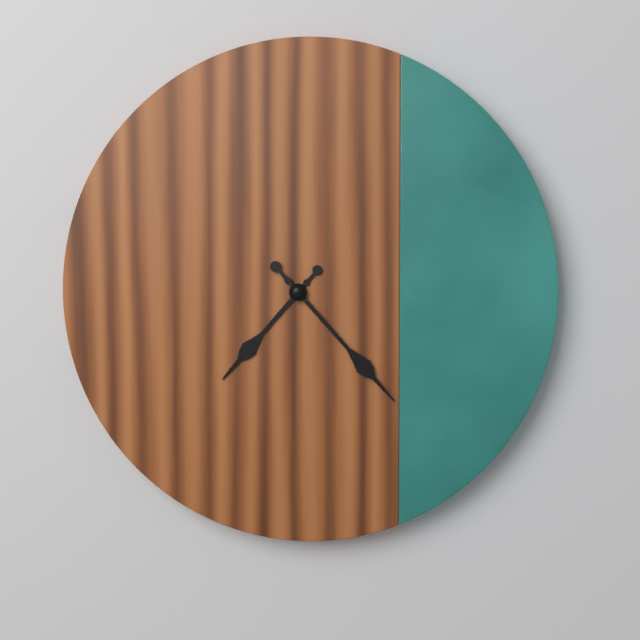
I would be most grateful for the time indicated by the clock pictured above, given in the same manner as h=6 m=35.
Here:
h=7 m=23
